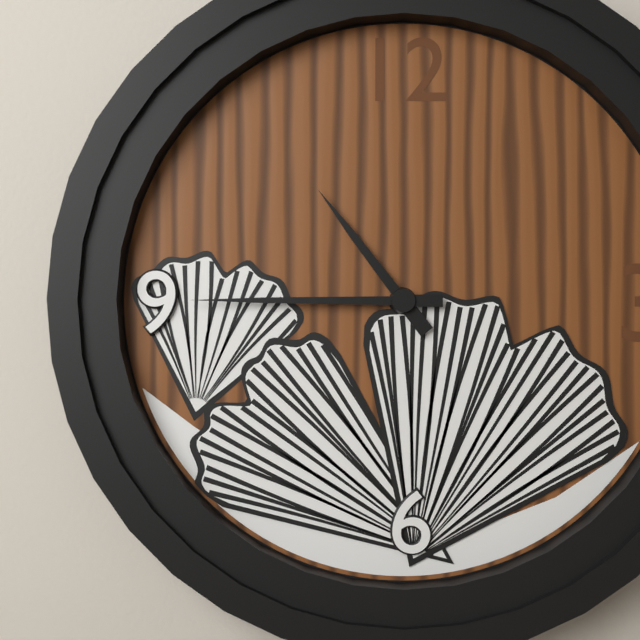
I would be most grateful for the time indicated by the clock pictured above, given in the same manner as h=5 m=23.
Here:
h=10 m=45
